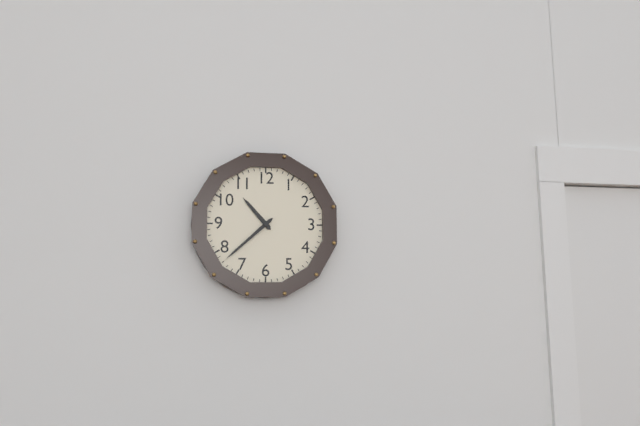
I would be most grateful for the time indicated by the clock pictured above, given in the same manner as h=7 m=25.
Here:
h=10 m=38
